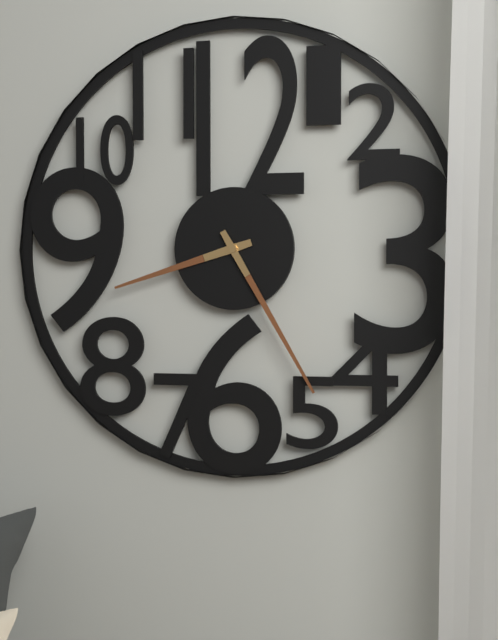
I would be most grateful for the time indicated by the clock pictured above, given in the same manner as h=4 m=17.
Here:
h=8 m=25
